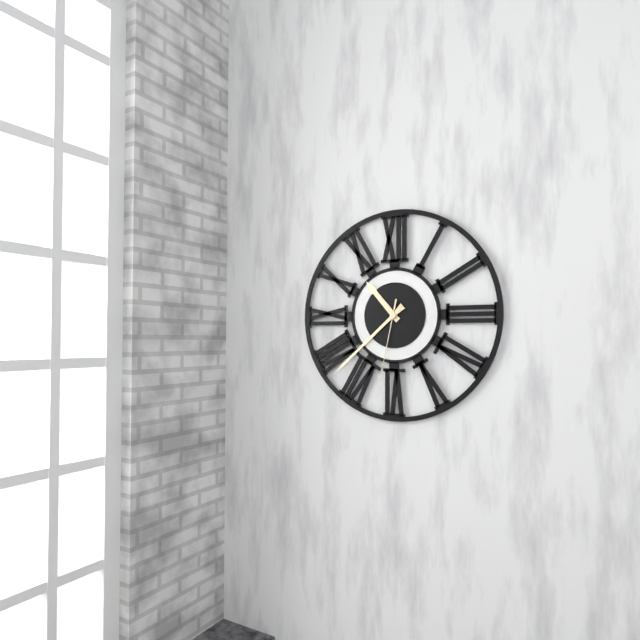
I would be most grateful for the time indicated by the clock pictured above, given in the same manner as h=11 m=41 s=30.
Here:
h=10 m=38 s=32
